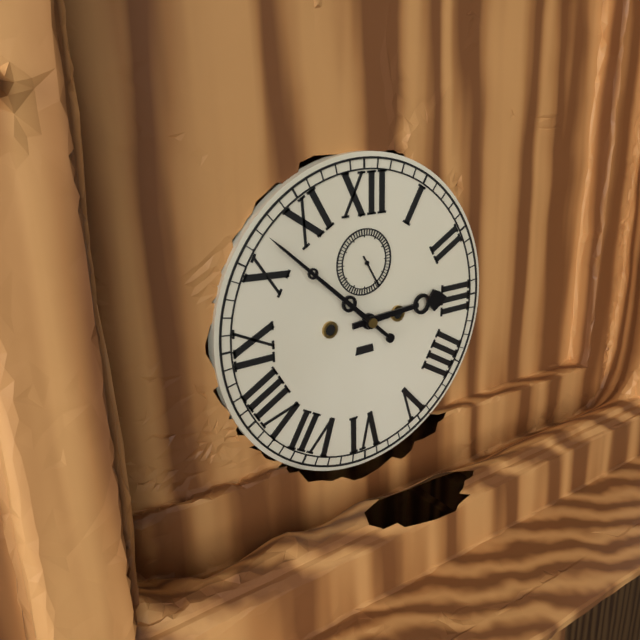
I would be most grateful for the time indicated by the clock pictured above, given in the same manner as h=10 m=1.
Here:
h=2 m=52
